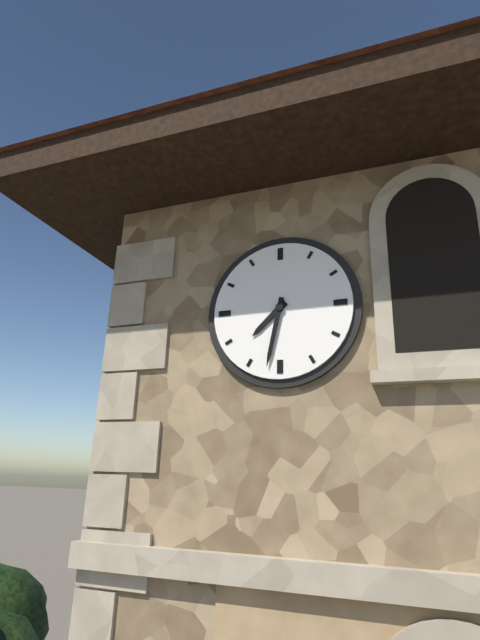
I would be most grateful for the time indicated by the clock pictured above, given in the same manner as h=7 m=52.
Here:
h=7 m=32
